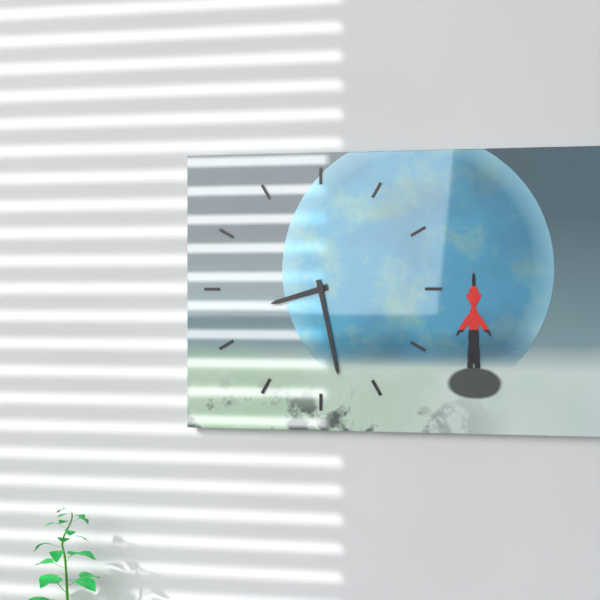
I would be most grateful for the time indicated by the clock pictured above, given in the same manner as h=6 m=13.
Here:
h=8 m=28
